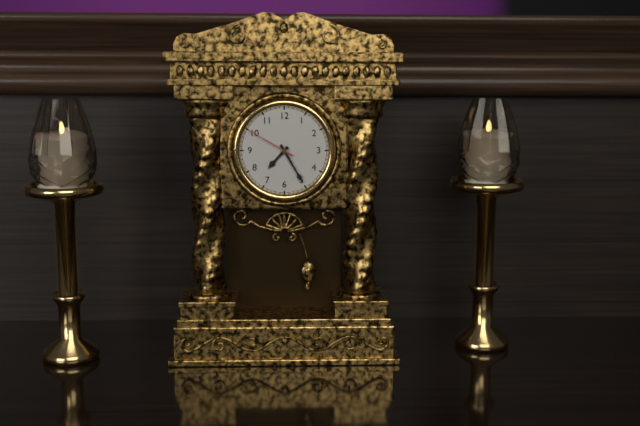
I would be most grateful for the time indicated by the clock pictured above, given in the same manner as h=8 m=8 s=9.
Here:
h=7 m=25 s=50
